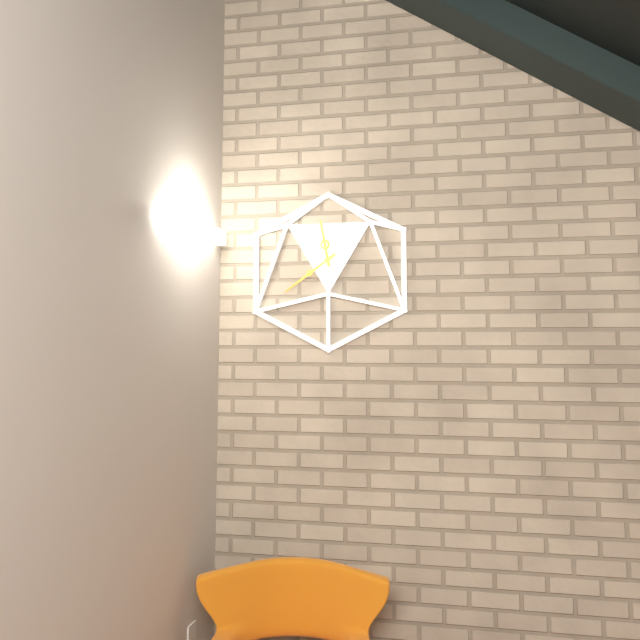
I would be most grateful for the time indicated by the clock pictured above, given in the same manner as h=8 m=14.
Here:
h=11 m=39
